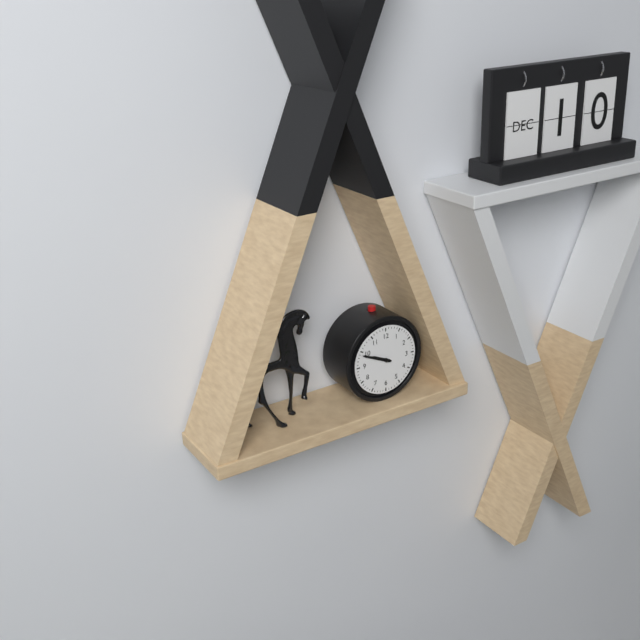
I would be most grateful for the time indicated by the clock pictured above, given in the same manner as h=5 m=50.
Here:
h=9 m=49
